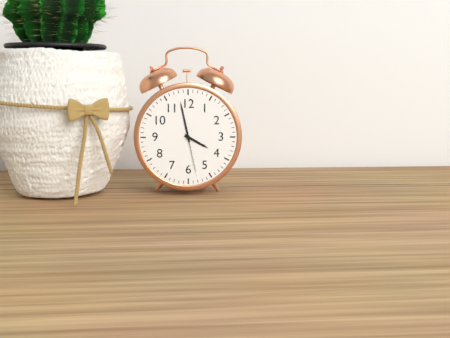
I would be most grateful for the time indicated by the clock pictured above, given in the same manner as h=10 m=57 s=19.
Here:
h=3 m=58 s=28
